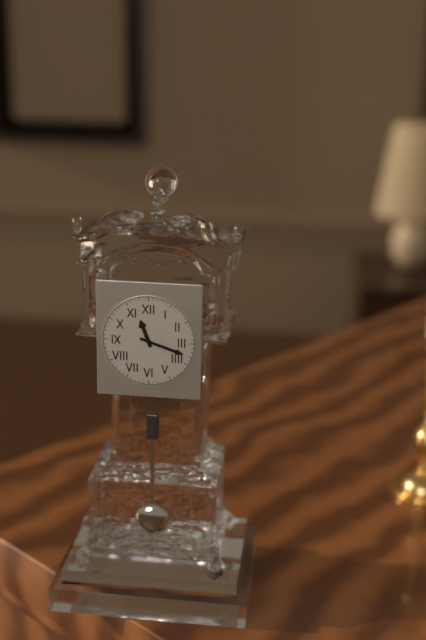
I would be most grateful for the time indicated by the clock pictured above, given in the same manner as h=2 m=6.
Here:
h=11 m=18
